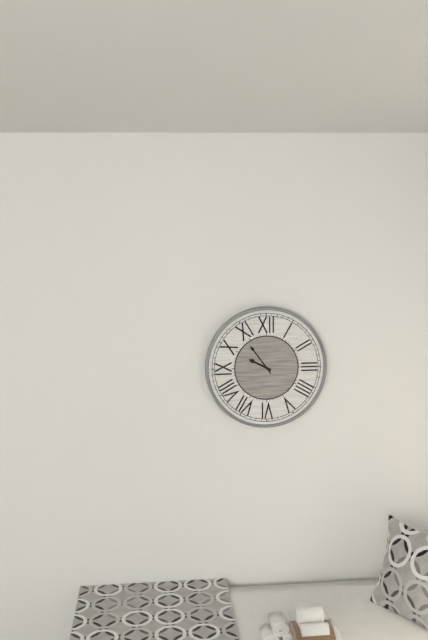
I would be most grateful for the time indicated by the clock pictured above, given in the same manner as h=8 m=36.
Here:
h=9 m=54
